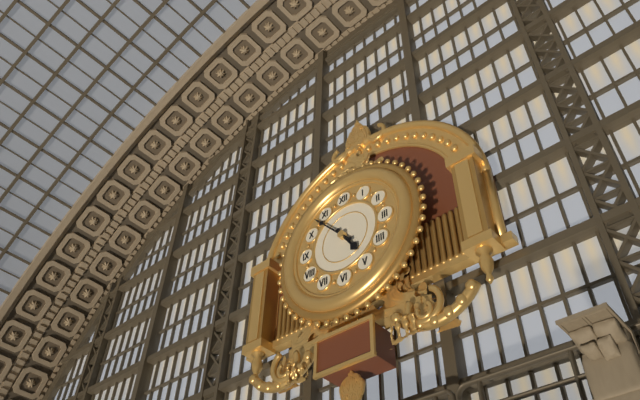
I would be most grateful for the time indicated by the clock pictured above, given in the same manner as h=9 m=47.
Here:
h=4 m=53
